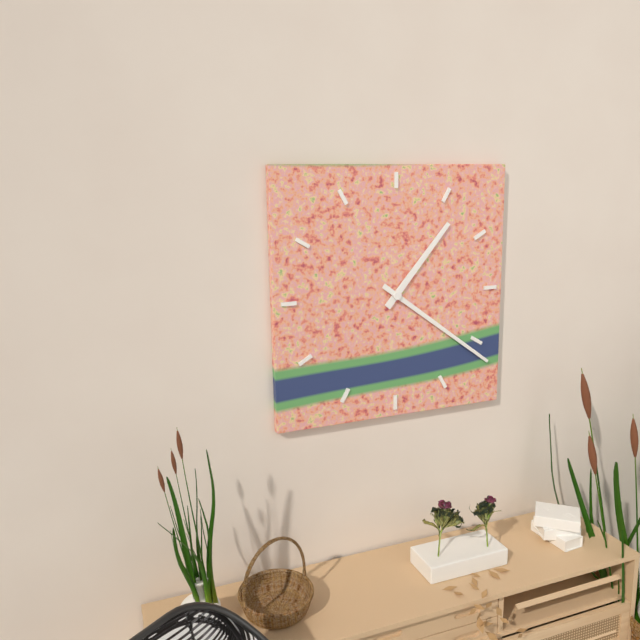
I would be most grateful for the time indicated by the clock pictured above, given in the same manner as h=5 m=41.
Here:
h=1 m=21
